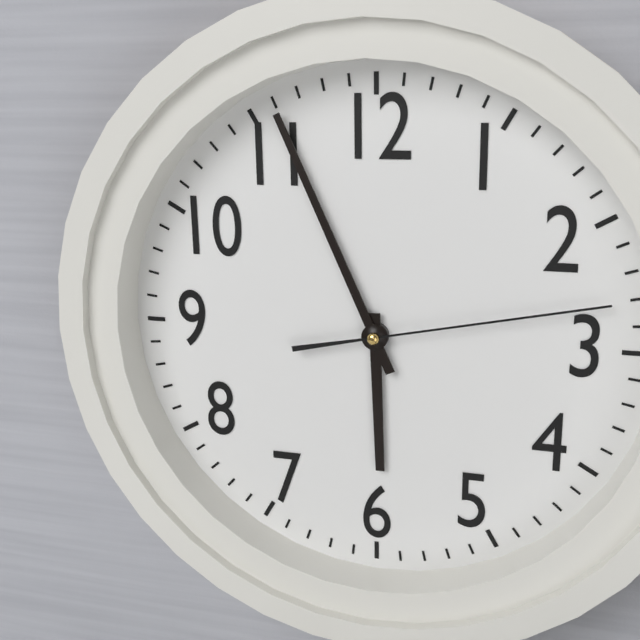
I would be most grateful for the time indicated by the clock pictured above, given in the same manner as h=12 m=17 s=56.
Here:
h=5 m=56 s=13
